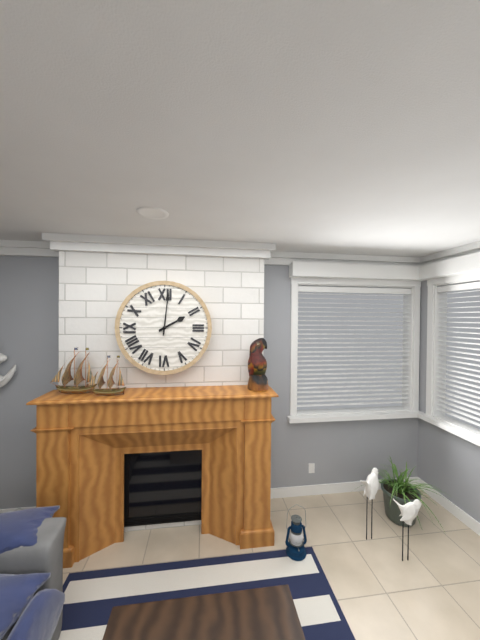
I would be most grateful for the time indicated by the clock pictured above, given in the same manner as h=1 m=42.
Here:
h=2 m=1
